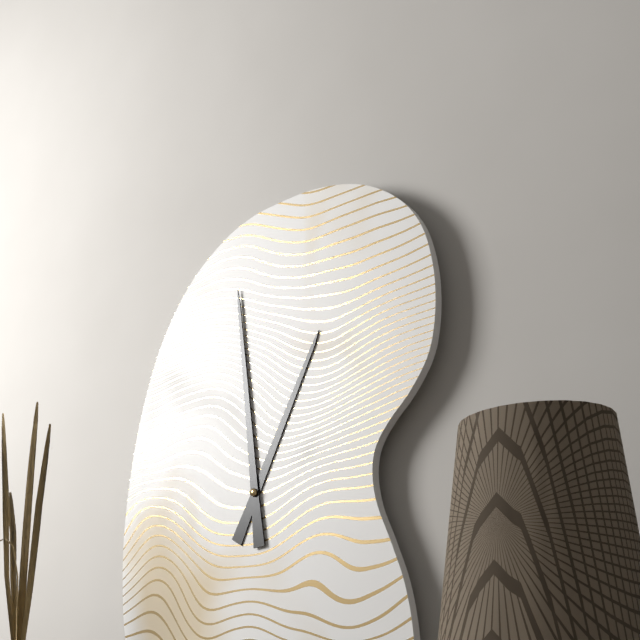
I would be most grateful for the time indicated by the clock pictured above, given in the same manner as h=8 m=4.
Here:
h=12 m=59
